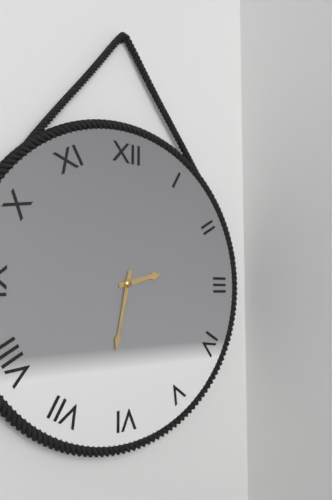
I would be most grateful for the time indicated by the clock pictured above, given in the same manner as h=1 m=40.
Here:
h=2 m=32
